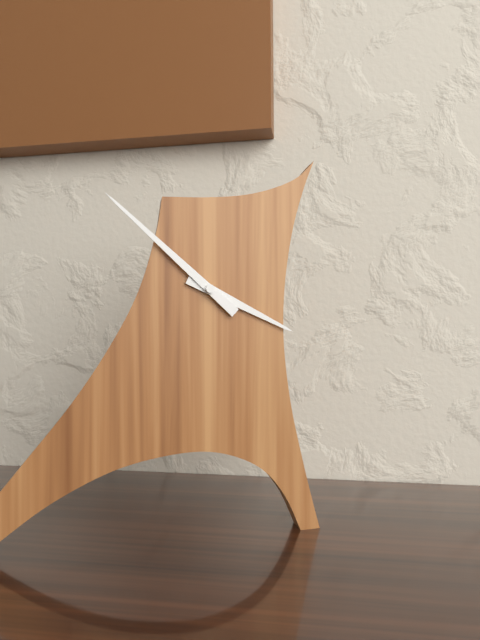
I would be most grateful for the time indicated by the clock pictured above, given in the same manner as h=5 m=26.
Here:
h=3 m=52
